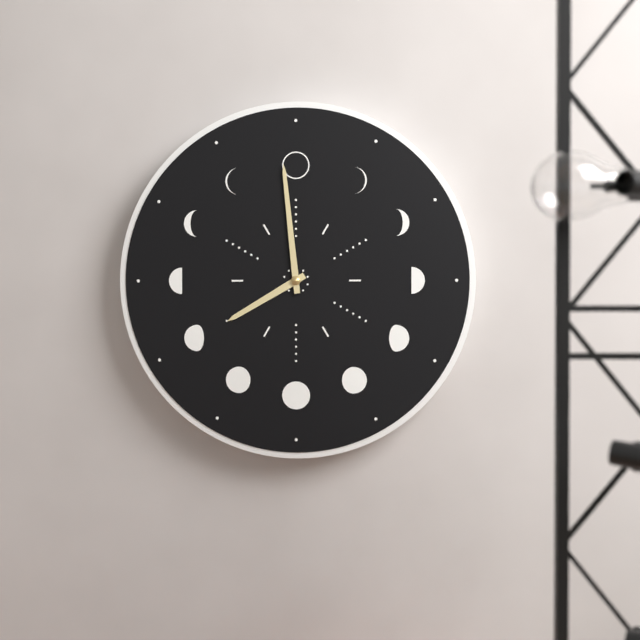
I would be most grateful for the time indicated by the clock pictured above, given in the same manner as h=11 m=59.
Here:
h=7 m=59
